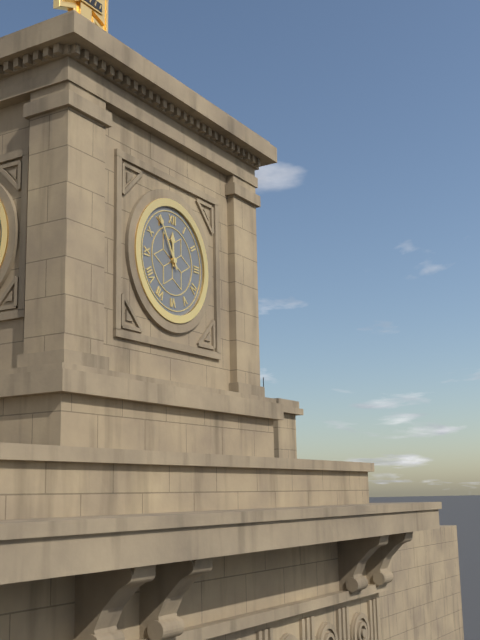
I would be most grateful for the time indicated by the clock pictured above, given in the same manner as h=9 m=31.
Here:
h=11 m=55
